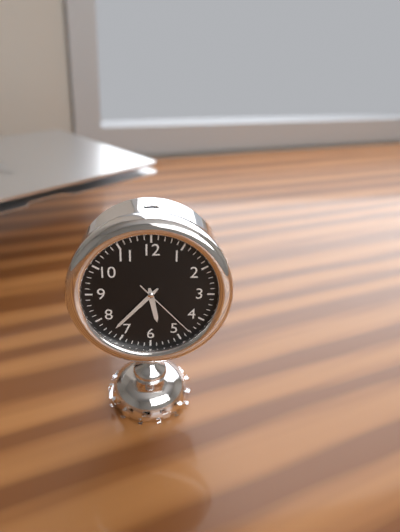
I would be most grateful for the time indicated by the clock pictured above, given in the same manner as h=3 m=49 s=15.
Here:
h=5 m=37 s=23
